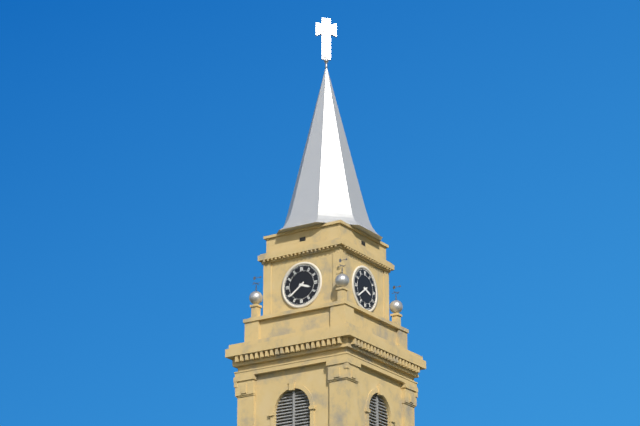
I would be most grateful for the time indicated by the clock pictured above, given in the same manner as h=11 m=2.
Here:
h=3 m=39
